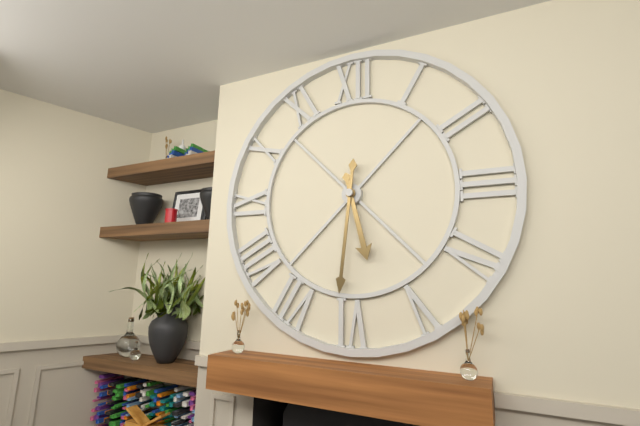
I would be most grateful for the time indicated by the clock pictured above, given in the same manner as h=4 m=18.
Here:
h=5 m=31
